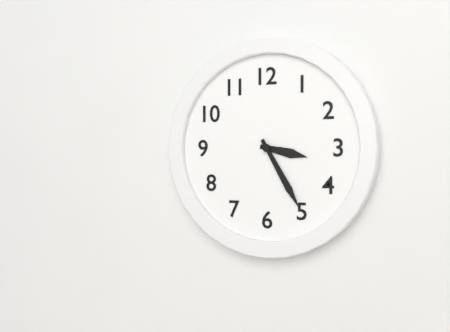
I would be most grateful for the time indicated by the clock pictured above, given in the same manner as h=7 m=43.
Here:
h=3 m=25
